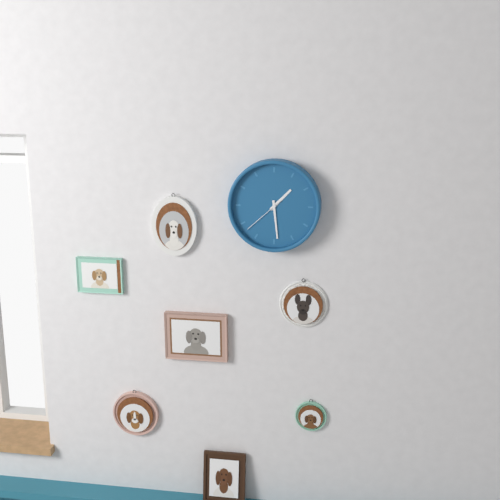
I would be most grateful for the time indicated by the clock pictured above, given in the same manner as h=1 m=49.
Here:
h=1 m=29
